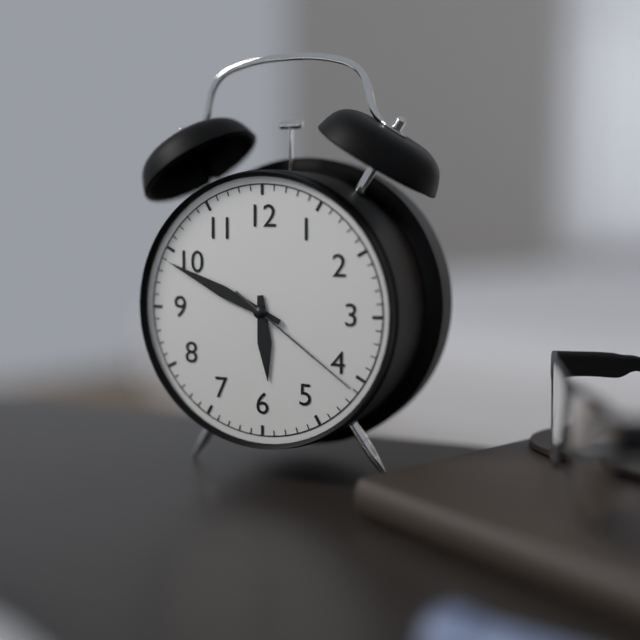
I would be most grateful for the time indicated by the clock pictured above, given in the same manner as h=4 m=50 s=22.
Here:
h=5 m=49 s=21
